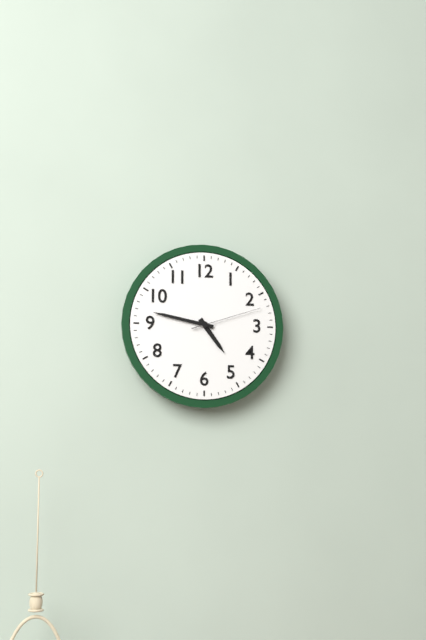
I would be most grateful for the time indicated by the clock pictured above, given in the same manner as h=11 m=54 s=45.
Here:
h=4 m=47 s=12
